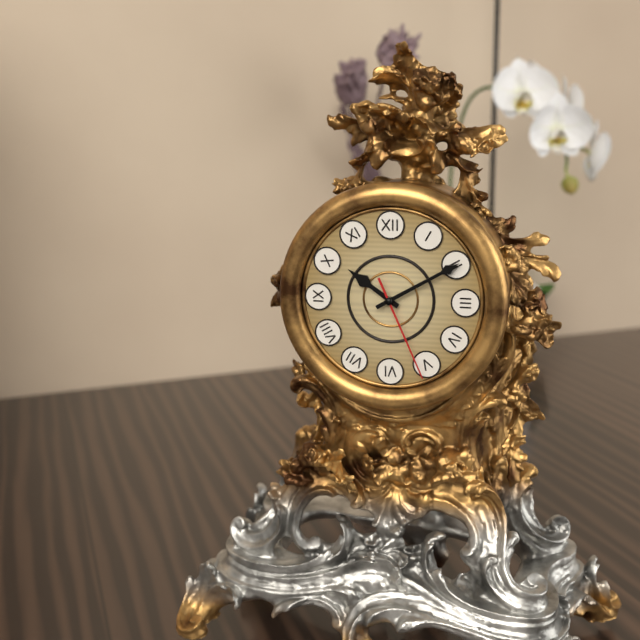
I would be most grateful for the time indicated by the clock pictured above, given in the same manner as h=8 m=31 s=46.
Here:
h=10 m=10 s=26
